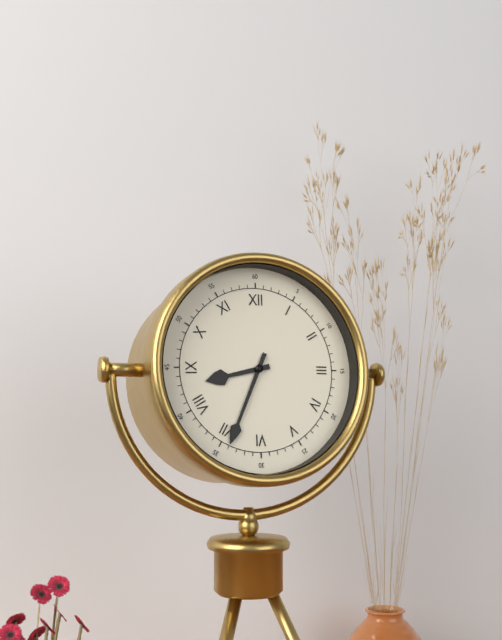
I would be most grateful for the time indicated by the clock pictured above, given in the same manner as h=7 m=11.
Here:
h=8 m=34
